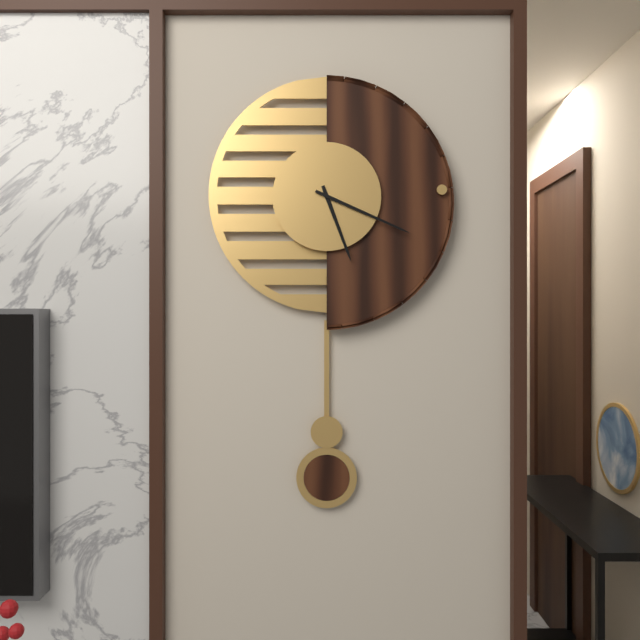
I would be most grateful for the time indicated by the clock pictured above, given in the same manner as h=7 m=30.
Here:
h=5 m=19
